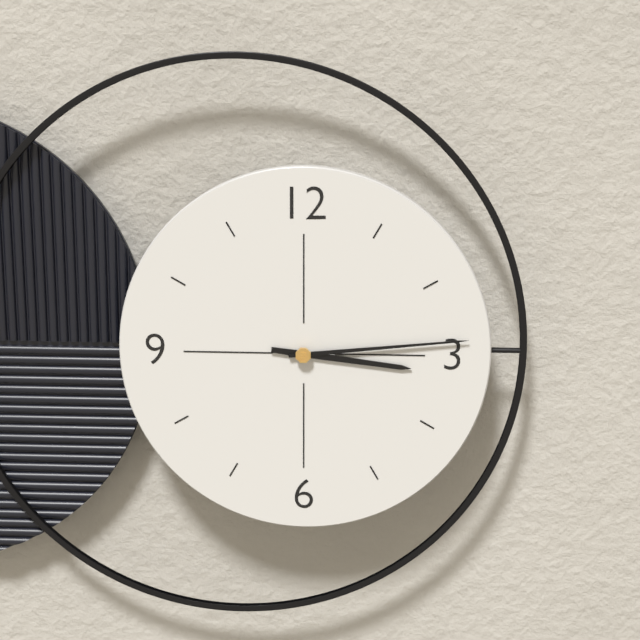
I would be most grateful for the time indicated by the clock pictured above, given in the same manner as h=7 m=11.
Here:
h=3 m=14
